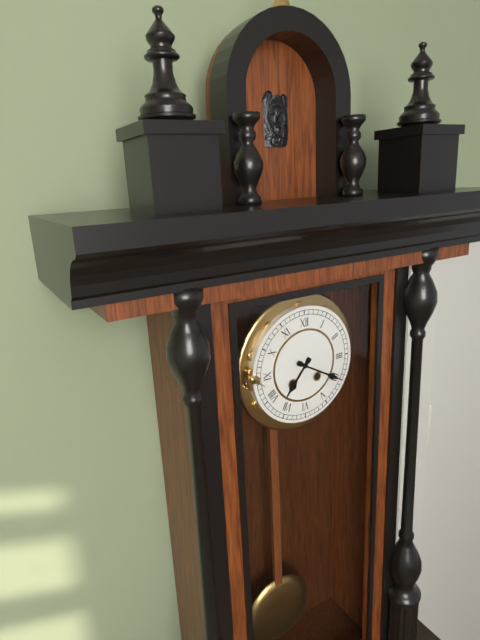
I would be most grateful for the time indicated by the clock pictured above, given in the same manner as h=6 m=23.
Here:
h=7 m=20
